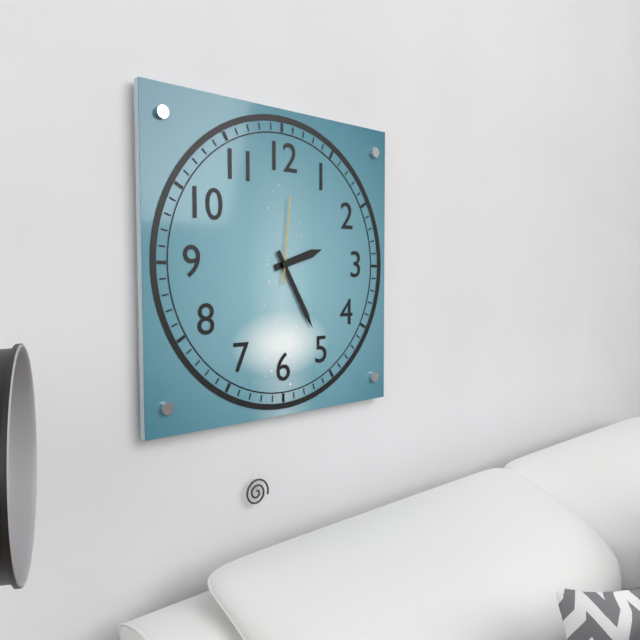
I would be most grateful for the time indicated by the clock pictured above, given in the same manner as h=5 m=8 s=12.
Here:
h=2 m=25 s=1
